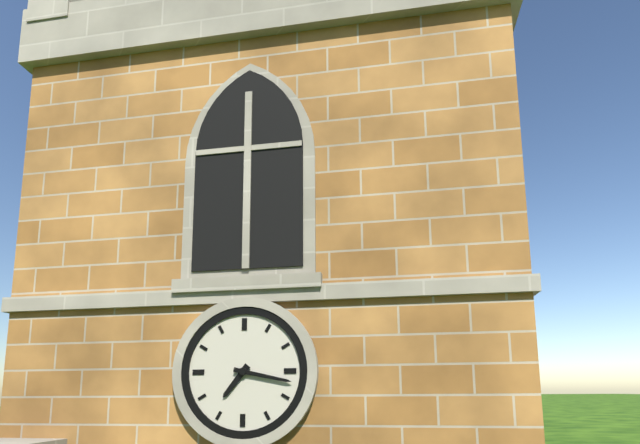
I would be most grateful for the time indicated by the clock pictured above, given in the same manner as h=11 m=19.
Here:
h=7 m=17
